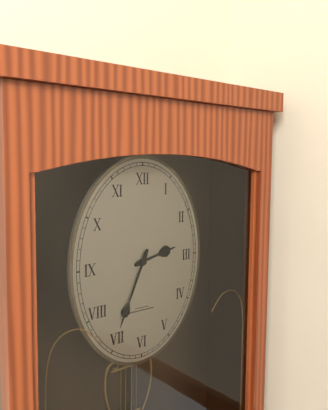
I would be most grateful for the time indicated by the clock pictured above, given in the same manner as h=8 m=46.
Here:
h=2 m=34
